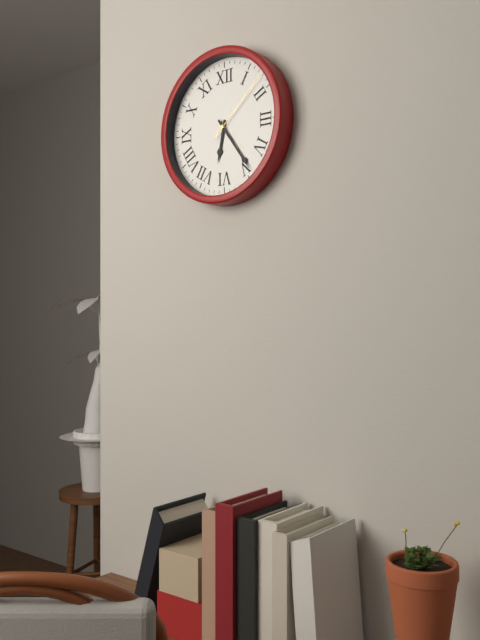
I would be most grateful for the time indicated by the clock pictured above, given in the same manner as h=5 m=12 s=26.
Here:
h=6 m=24 s=8
